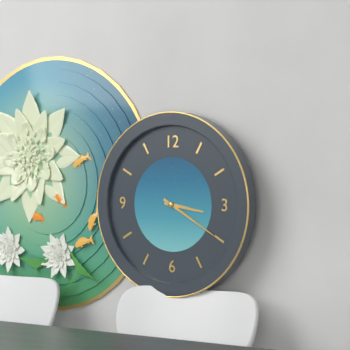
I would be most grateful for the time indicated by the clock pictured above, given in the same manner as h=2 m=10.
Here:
h=3 m=20
